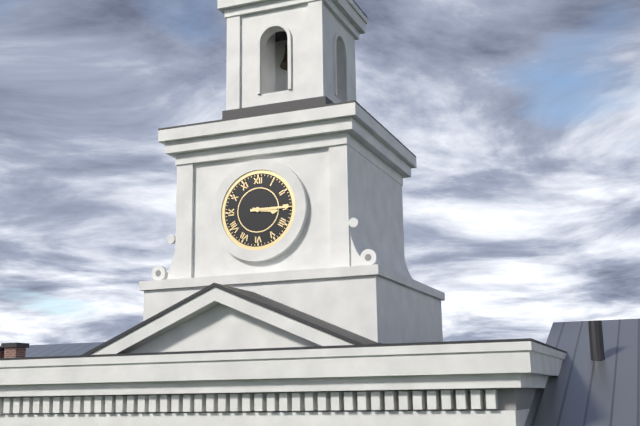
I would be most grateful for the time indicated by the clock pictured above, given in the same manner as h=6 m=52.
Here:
h=3 m=15
